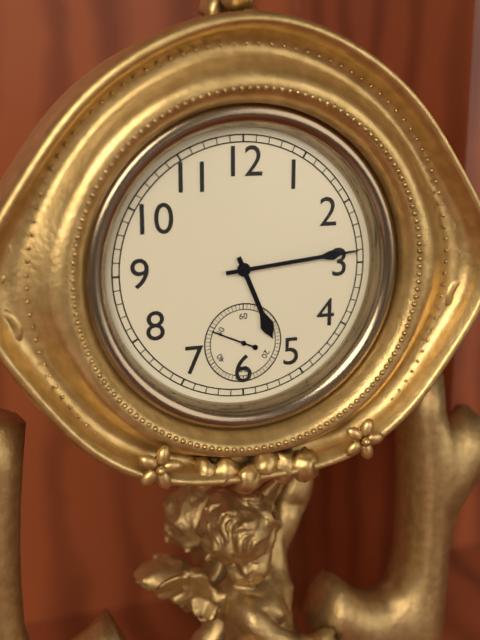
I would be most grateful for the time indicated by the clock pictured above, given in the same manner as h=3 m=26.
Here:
h=5 m=14
